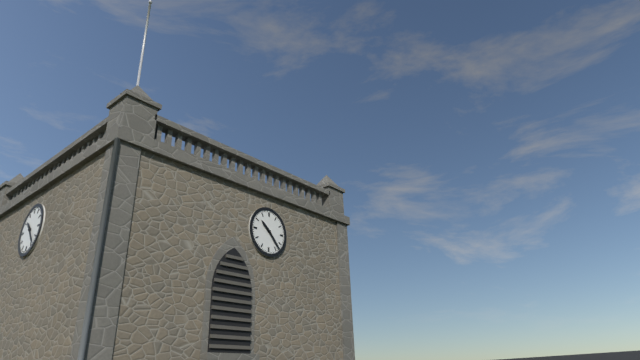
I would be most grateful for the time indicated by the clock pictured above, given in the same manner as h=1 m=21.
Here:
h=10 m=23
